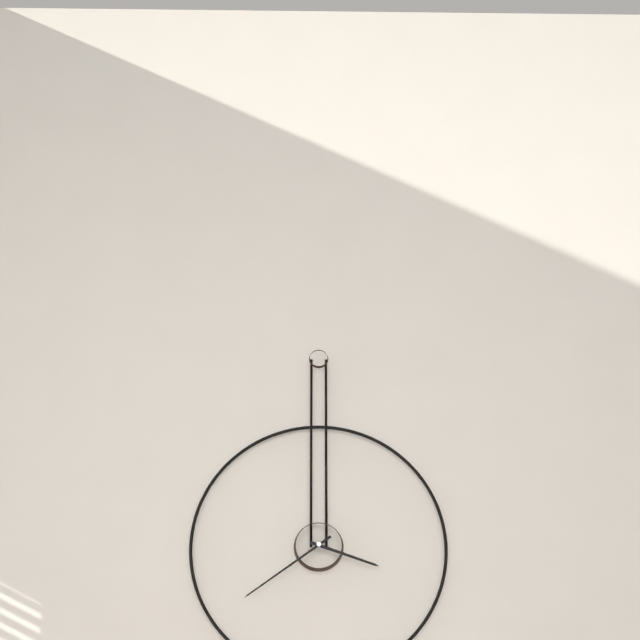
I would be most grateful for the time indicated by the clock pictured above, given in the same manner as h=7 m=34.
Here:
h=3 m=39
